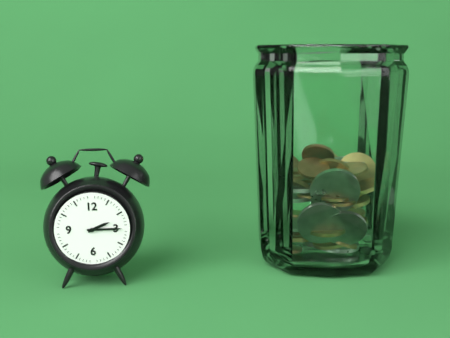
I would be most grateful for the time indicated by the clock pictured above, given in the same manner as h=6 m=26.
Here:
h=2 m=15
